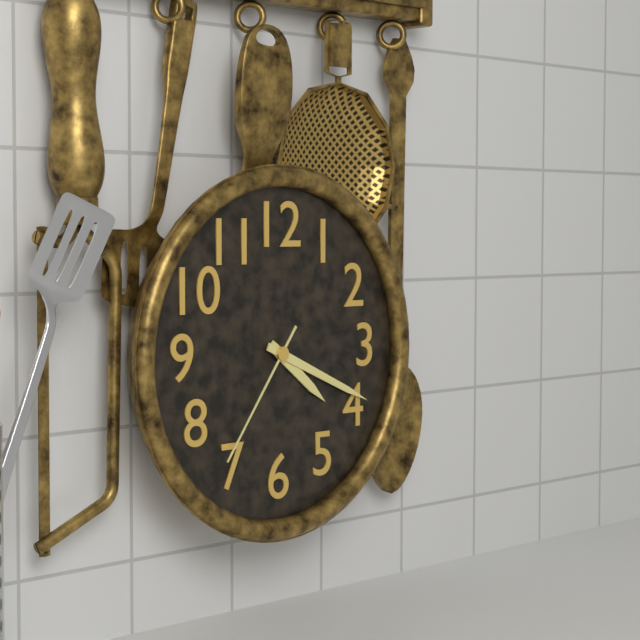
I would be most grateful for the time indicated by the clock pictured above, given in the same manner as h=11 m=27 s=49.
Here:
h=4 m=19 s=36
